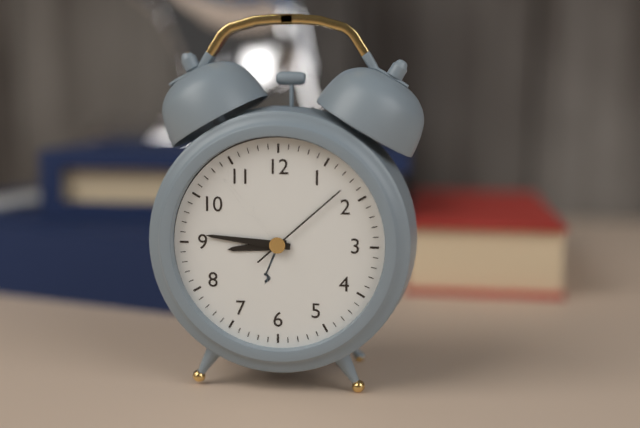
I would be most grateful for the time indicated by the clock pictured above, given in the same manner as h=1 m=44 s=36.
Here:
h=8 m=46 s=8
